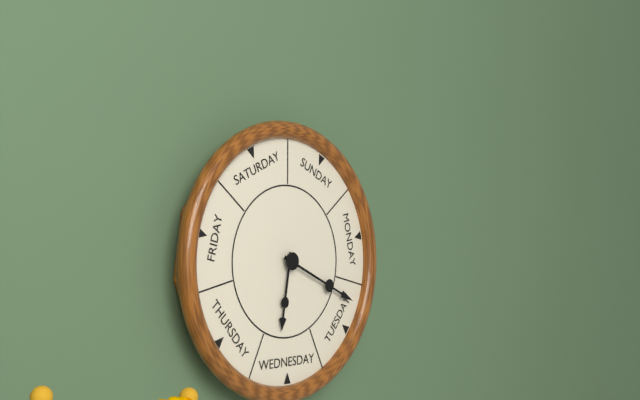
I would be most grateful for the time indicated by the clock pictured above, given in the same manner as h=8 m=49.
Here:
h=6 m=19
